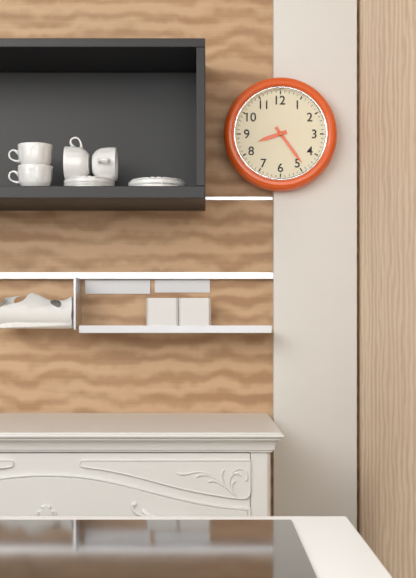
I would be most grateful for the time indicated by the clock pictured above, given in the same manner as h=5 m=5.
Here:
h=8 m=24
